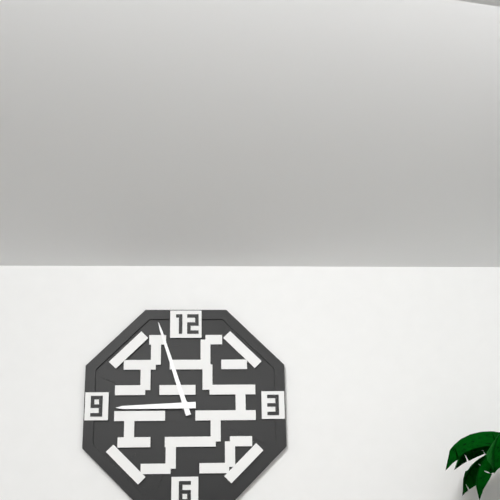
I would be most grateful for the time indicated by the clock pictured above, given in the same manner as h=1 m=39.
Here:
h=8 m=57
